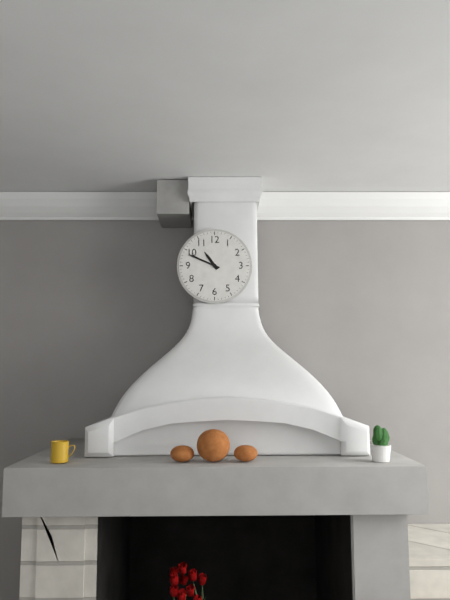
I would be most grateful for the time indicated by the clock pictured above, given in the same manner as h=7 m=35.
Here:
h=10 m=49
